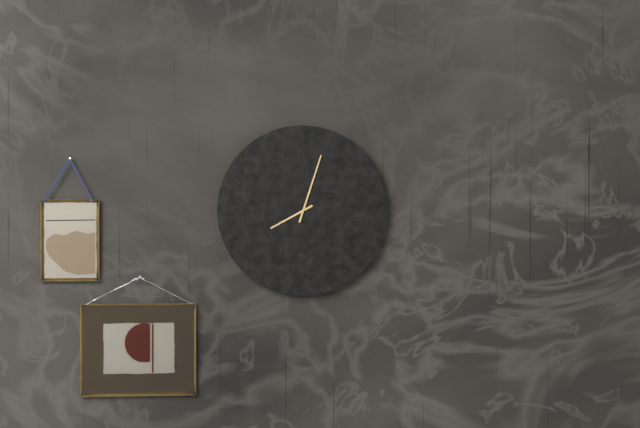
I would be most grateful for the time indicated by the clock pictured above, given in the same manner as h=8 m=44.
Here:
h=8 m=3
